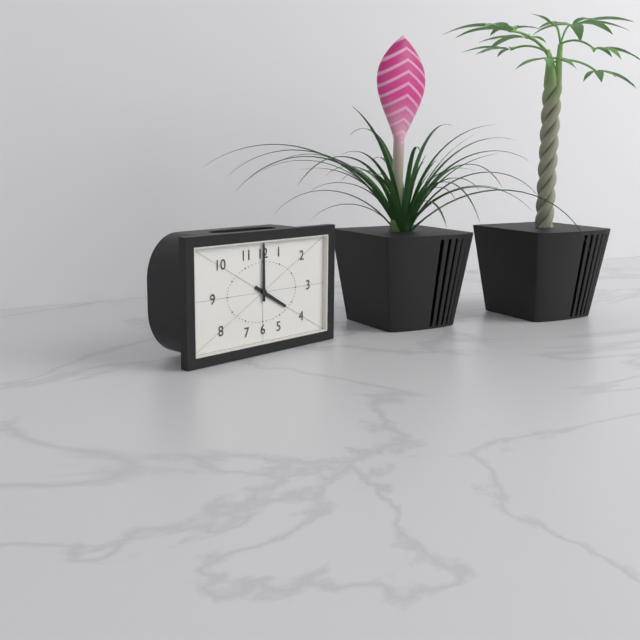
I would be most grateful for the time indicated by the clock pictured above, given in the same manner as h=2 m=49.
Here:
h=4 m=0
